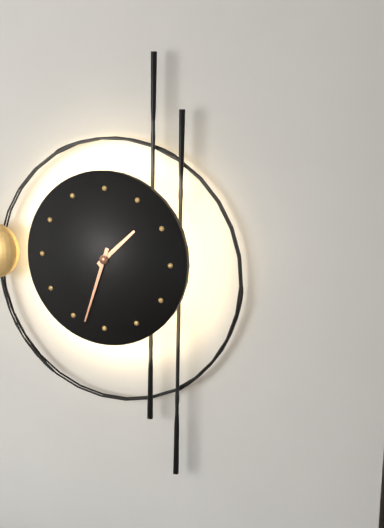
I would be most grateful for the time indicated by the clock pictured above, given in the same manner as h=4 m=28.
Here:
h=1 m=33
